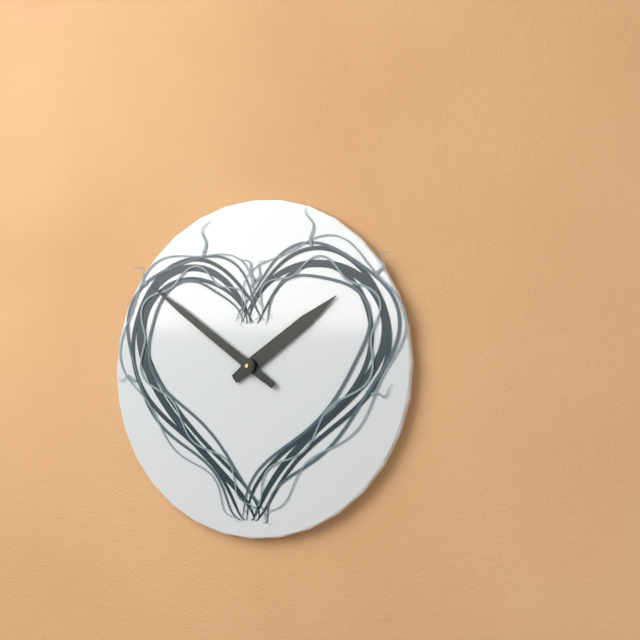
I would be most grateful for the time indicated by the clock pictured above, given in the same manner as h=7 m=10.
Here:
h=1 m=51
